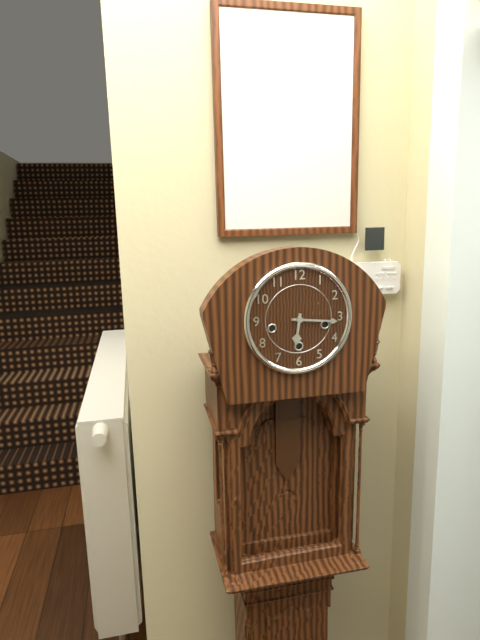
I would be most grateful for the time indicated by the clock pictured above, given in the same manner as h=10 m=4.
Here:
h=6 m=16
